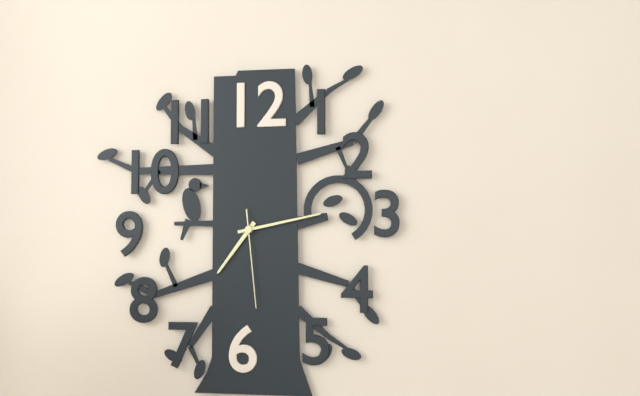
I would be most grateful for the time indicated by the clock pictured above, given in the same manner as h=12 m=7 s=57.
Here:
h=7 m=13 s=29
